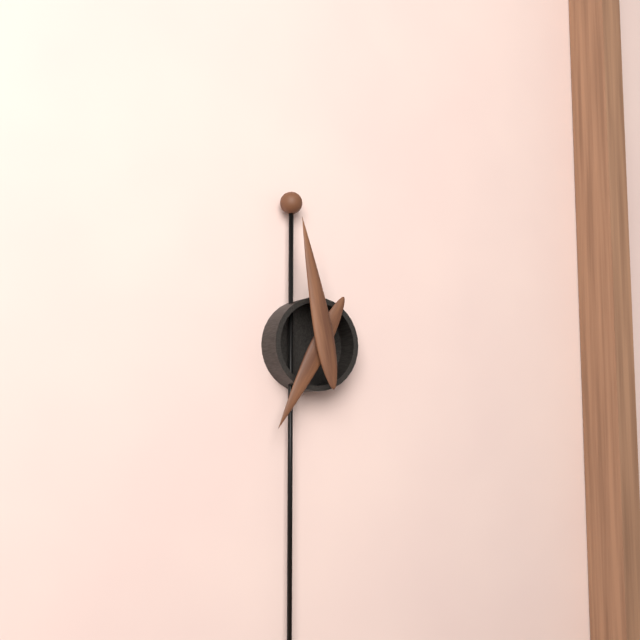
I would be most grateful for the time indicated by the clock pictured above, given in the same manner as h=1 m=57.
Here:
h=6 m=58
